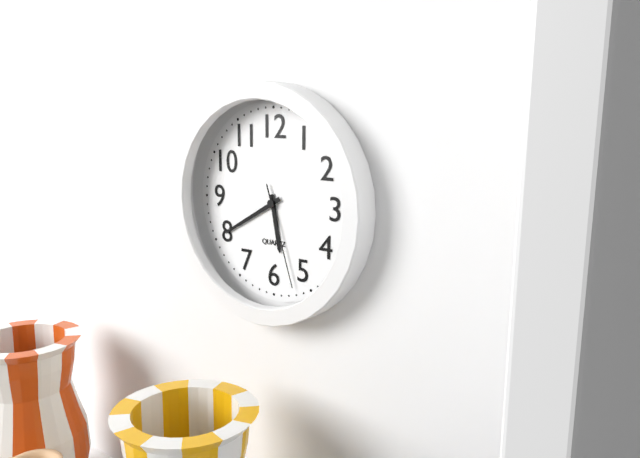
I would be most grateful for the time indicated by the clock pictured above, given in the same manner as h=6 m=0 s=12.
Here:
h=5 m=40 s=27
